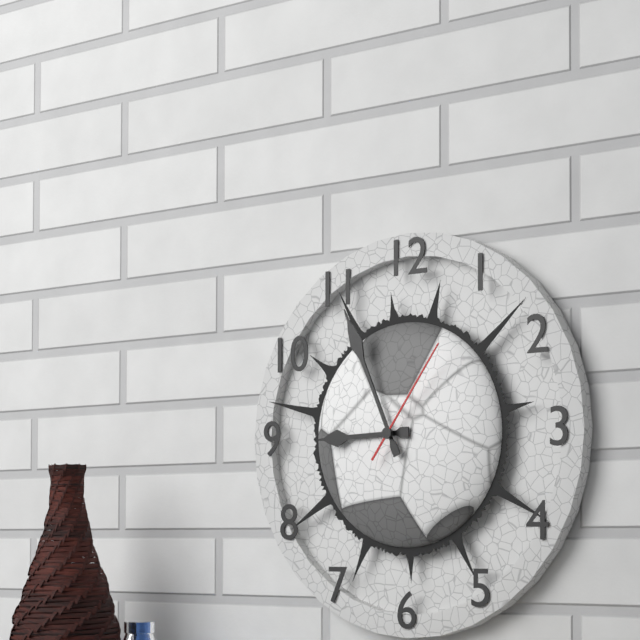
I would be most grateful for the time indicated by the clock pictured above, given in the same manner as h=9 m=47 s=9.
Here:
h=8 m=56 s=6
